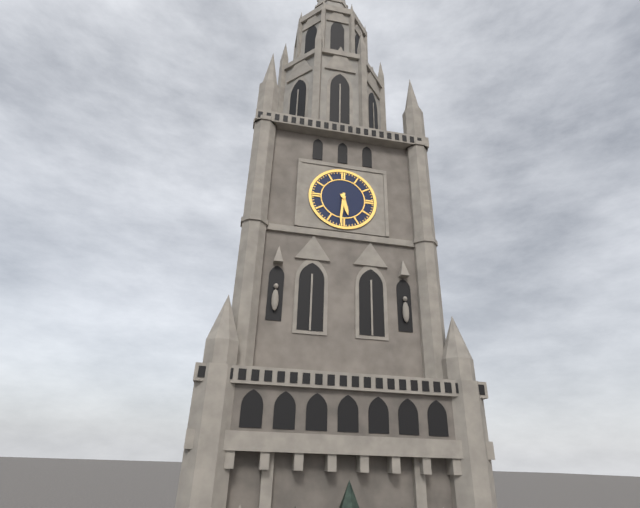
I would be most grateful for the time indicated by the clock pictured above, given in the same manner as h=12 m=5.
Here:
h=5 m=31
